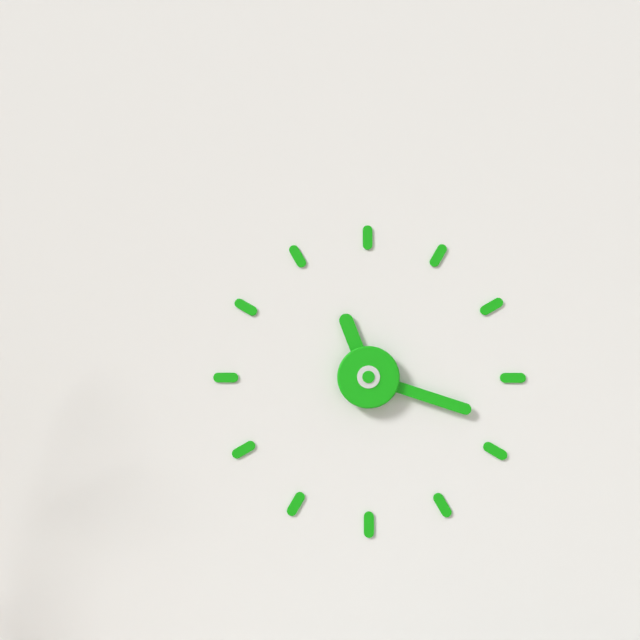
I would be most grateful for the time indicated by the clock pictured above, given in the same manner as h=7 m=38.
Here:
h=11 m=18
